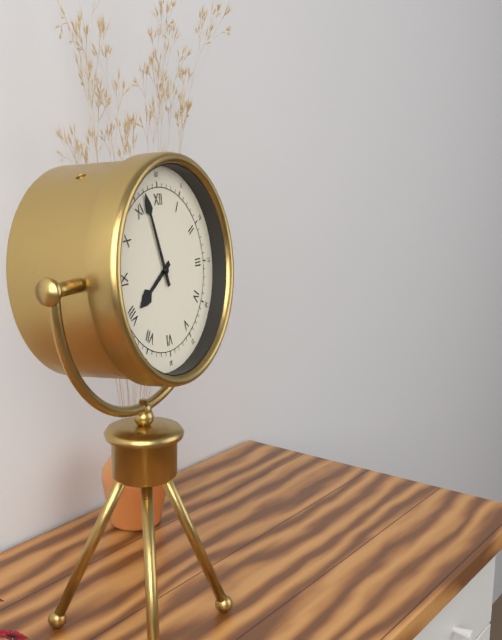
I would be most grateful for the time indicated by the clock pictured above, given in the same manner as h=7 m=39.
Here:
h=7 m=57
